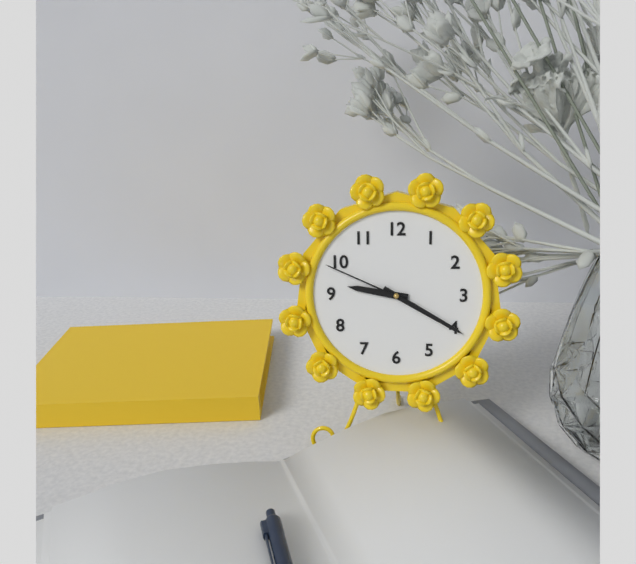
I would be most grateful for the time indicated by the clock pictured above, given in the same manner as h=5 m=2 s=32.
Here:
h=9 m=20 s=49
